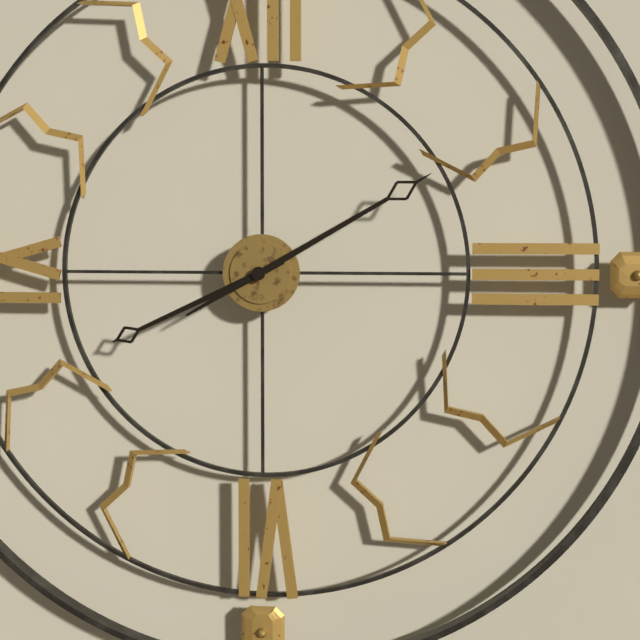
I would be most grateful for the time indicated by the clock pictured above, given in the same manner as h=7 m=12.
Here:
h=8 m=10
